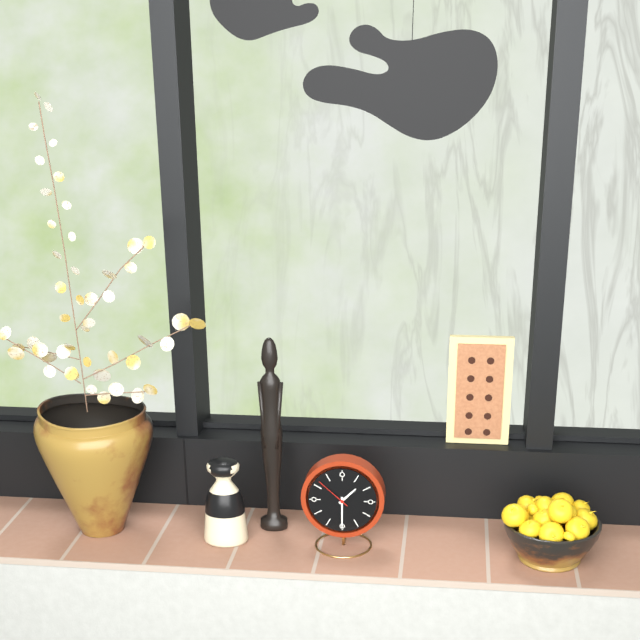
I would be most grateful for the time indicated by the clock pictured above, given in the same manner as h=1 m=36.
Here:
h=1 m=30
